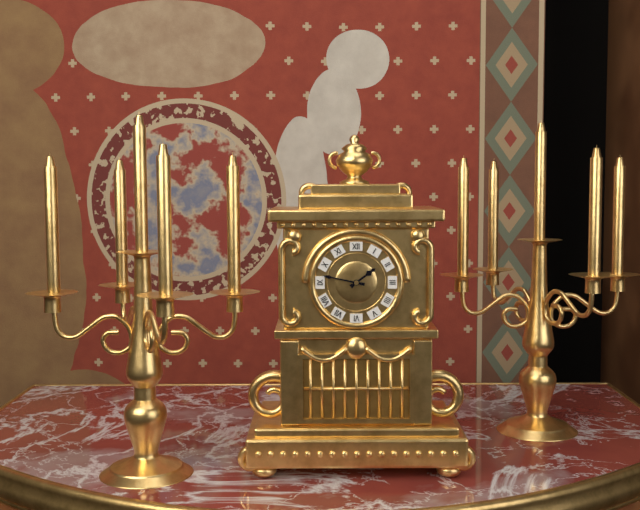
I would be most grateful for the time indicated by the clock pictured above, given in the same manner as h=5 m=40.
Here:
h=1 m=47
